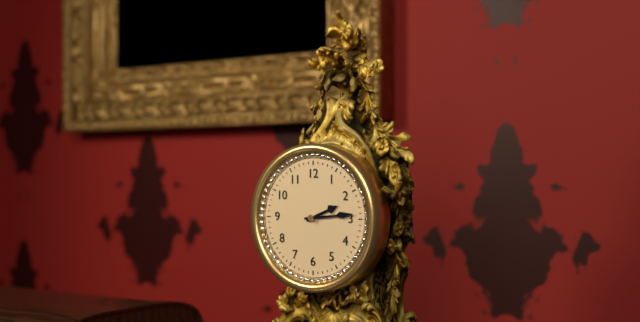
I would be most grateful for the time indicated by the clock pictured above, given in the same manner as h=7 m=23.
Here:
h=2 m=14
